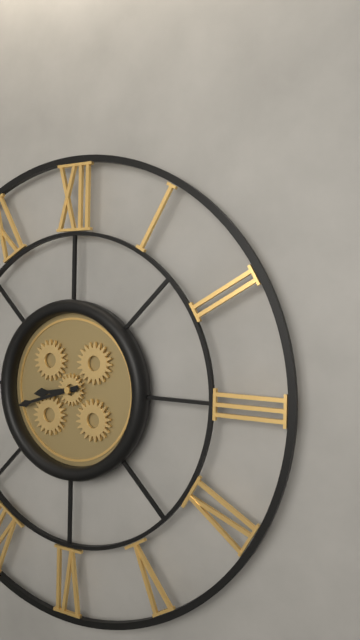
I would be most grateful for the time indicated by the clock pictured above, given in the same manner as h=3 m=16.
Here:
h=8 m=42
